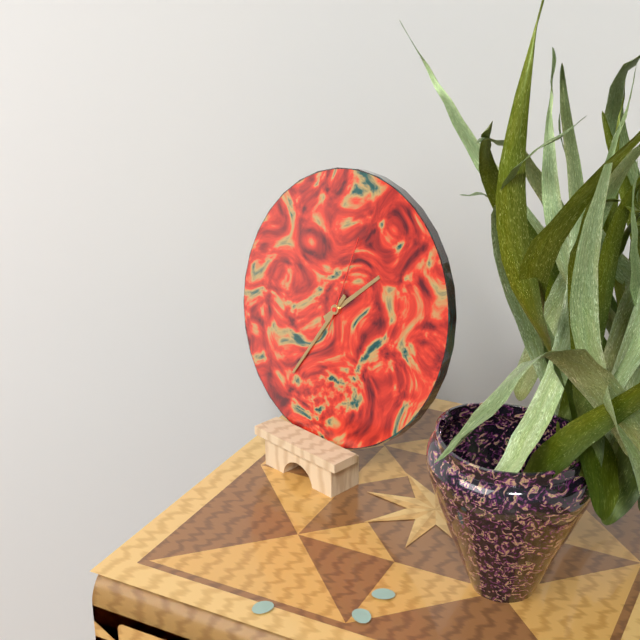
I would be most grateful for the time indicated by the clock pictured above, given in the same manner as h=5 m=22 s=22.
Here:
h=1 m=35 s=2
